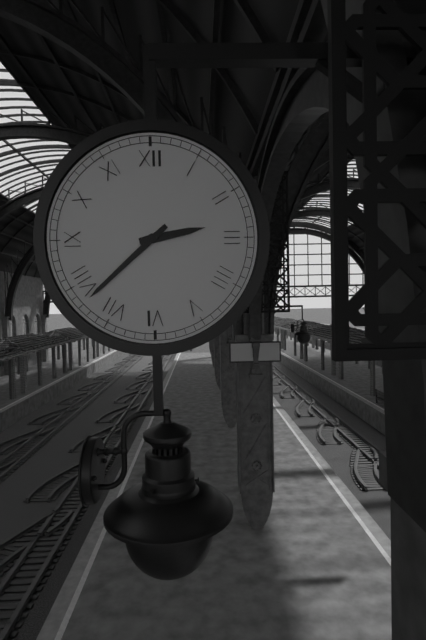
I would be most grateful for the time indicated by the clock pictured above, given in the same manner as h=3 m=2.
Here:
h=2 m=38
